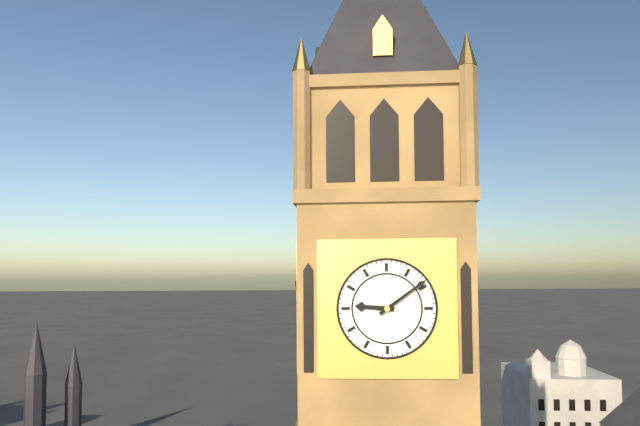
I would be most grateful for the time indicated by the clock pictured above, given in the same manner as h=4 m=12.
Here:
h=9 m=9
